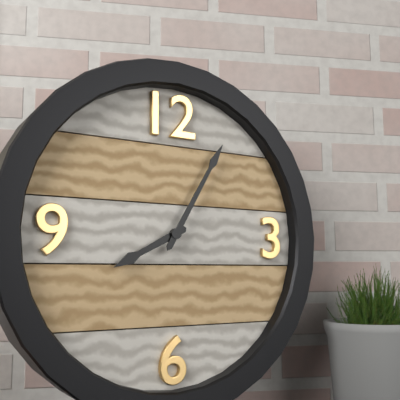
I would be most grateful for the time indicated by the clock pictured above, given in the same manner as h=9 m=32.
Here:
h=8 m=5
